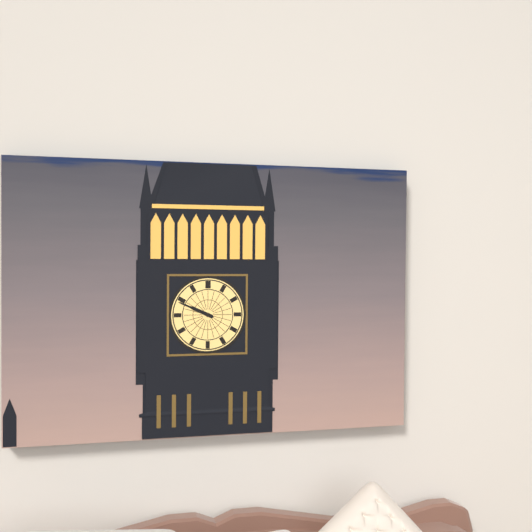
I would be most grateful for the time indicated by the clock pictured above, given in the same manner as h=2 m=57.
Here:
h=9 m=49
